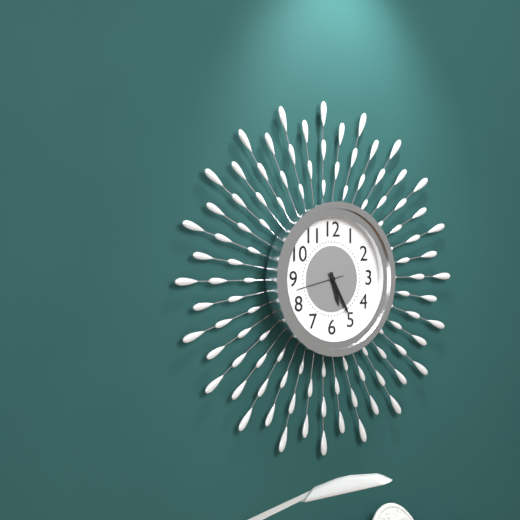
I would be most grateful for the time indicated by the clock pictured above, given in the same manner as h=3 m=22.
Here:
h=5 m=25
